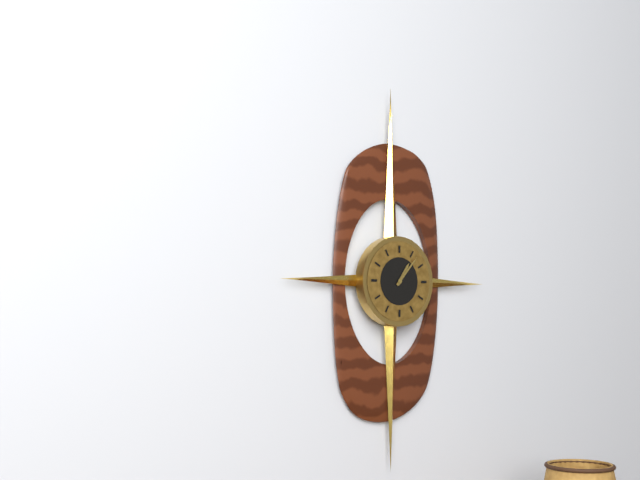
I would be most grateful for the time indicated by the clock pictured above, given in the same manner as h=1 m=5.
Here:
h=1 m=7
